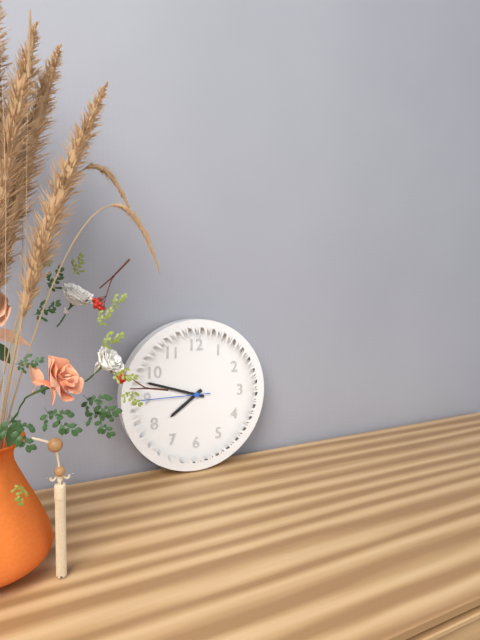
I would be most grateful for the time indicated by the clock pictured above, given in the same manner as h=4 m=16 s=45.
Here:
h=7 m=48 s=45
